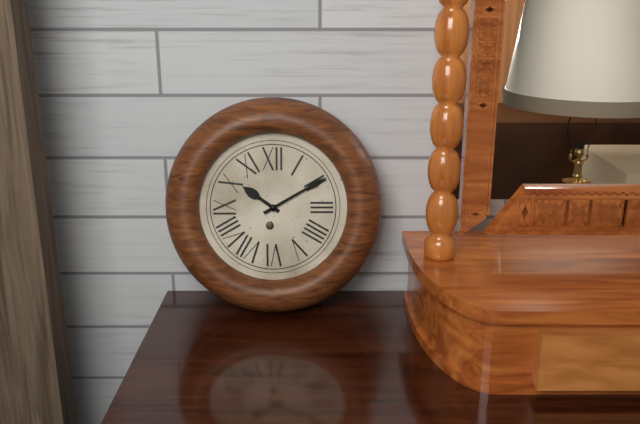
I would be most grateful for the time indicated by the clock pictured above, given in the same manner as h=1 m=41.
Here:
h=10 m=10
